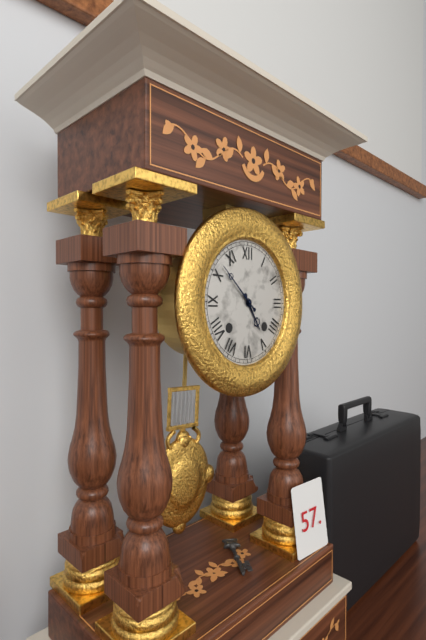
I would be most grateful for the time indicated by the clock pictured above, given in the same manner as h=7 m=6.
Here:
h=4 m=52
